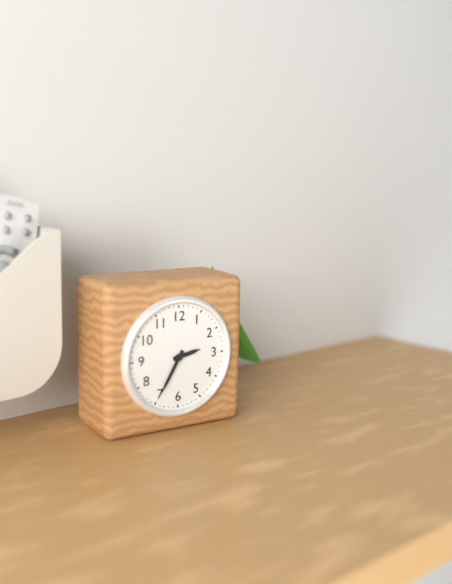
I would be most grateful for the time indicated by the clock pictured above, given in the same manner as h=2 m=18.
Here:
h=2 m=35
